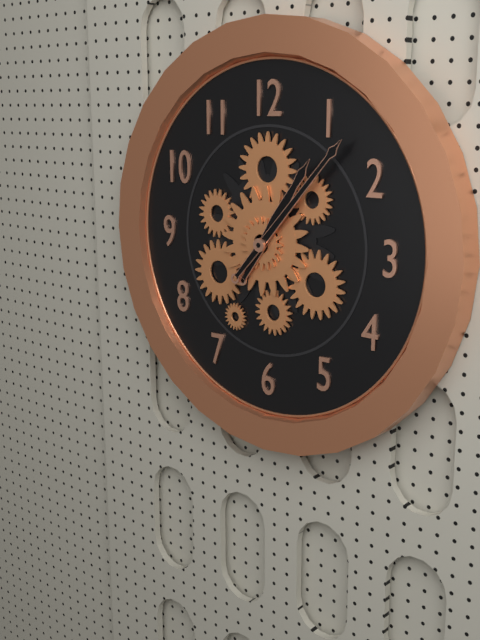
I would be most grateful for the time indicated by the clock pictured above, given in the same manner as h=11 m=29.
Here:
h=1 m=7
